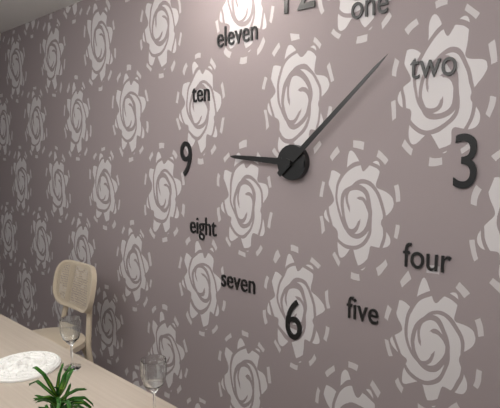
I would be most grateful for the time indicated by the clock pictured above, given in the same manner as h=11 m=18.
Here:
h=9 m=8
